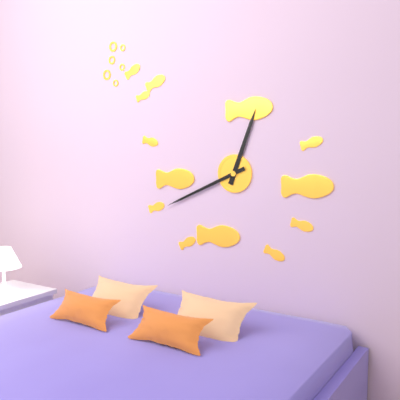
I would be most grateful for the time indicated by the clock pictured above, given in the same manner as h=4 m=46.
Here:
h=12 m=41
